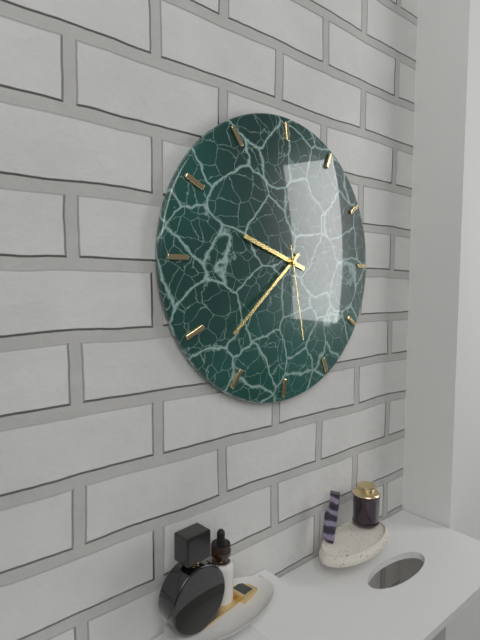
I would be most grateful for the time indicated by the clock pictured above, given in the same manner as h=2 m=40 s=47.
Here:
h=9 m=38 s=28
